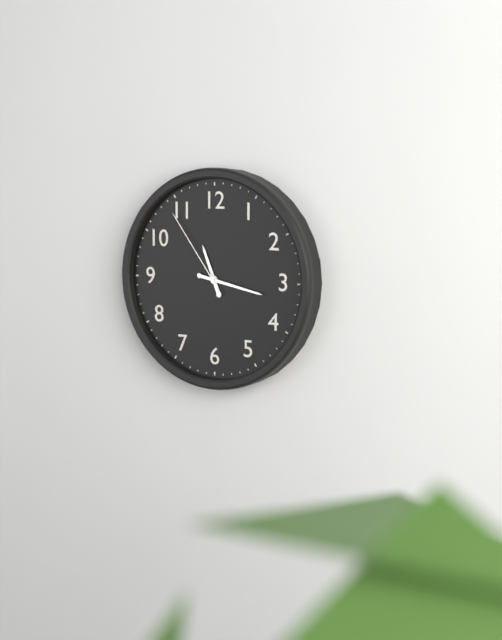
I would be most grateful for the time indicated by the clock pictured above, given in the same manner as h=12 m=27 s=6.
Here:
h=11 m=17 s=54
